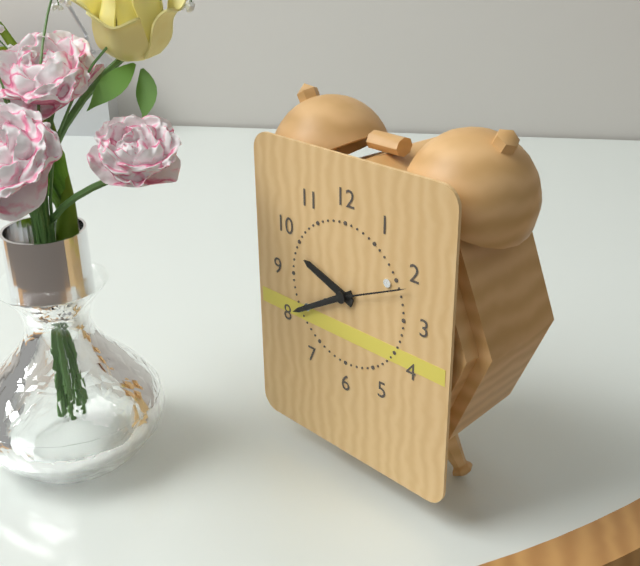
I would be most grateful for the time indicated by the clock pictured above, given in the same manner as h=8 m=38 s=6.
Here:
h=9 m=40 s=11
